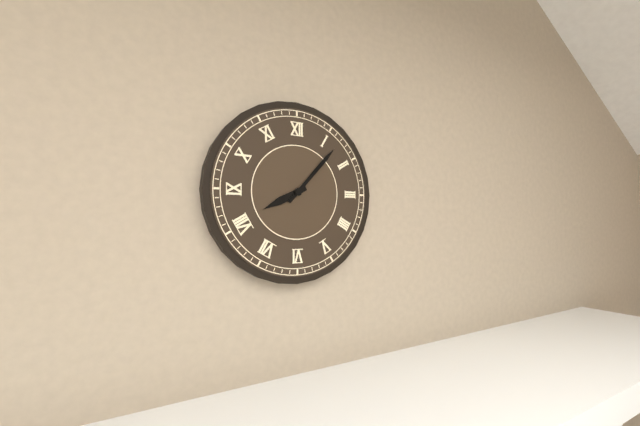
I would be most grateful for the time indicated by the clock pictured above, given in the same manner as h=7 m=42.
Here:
h=8 m=7
